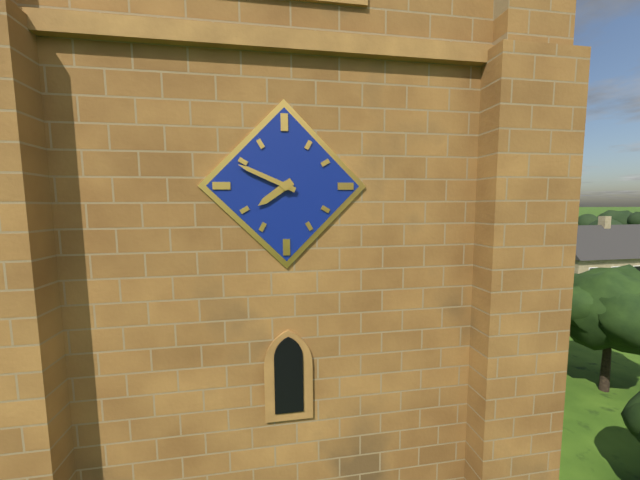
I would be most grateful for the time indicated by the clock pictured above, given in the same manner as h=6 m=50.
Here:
h=7 m=49
